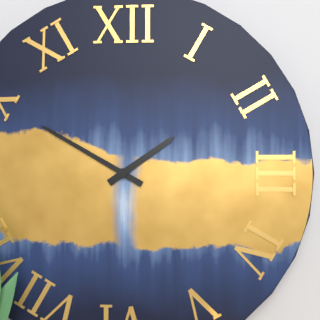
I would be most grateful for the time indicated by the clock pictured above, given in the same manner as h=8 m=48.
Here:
h=1 m=50
